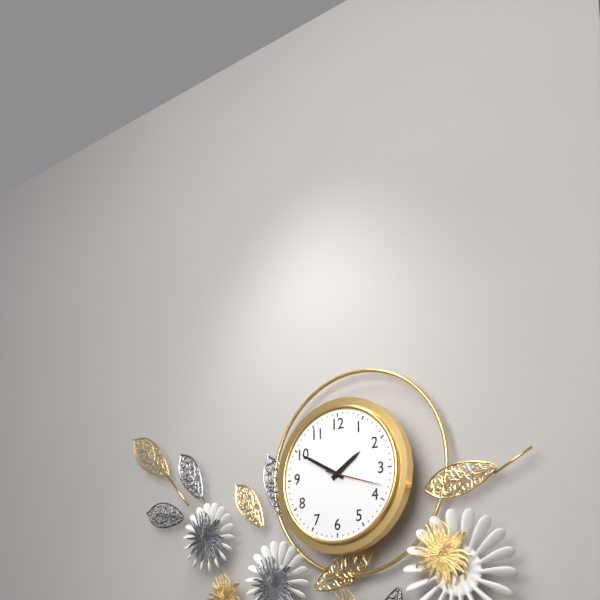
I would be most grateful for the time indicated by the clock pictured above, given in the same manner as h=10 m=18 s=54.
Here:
h=1 m=50 s=18
